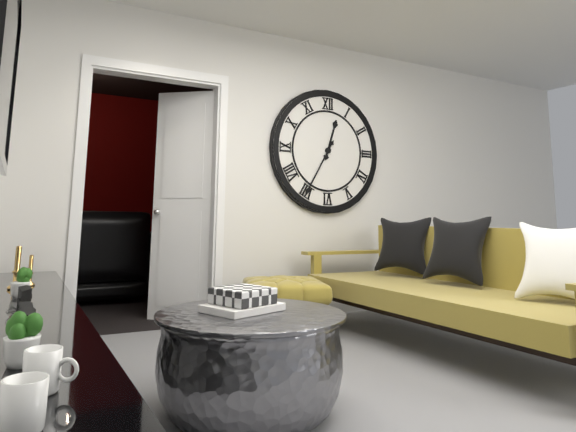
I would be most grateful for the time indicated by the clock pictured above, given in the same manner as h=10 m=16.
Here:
h=12 m=35
